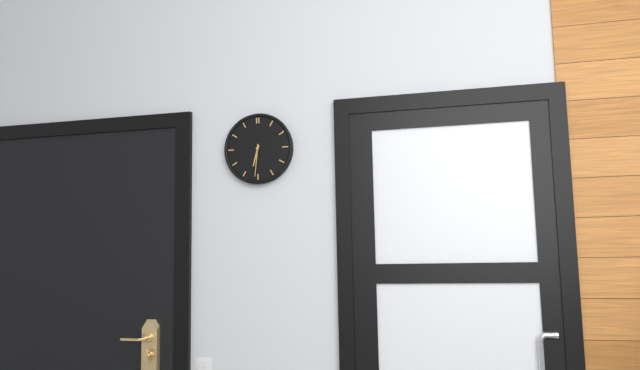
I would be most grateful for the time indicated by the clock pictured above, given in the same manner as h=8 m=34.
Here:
h=6 m=31
